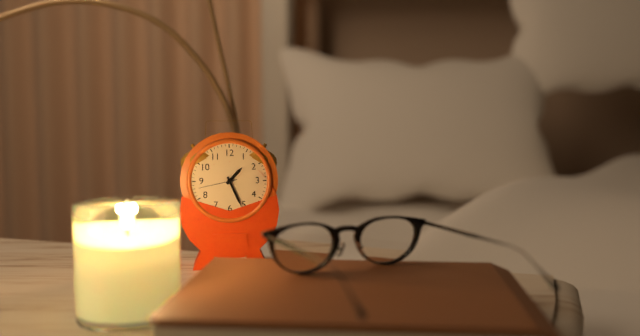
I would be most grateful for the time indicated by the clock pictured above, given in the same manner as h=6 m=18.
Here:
h=1 m=26
